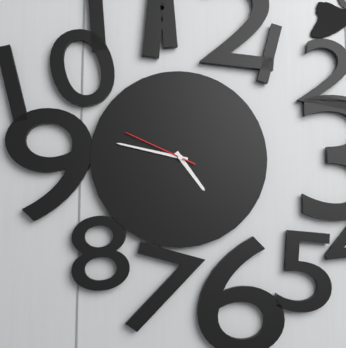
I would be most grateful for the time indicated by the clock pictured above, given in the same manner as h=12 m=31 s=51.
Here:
h=4 m=47 s=49
